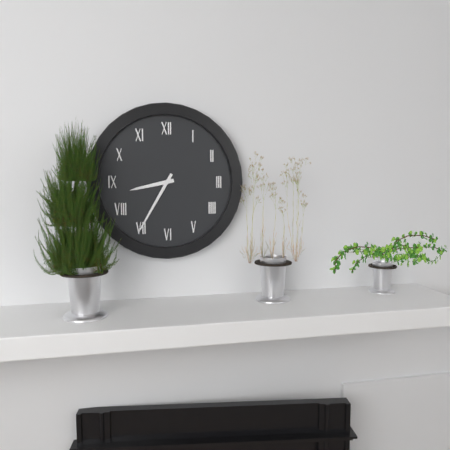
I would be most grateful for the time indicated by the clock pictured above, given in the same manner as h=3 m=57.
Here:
h=8 m=35
